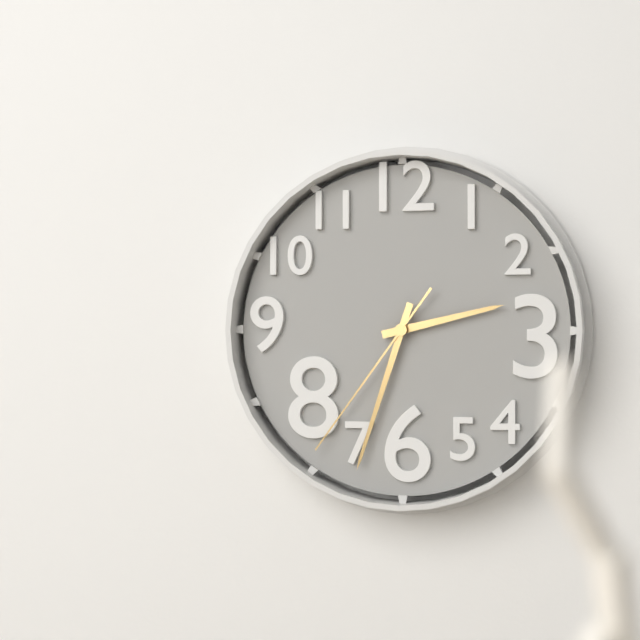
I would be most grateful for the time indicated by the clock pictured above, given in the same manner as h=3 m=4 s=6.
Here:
h=2 m=33 s=36
